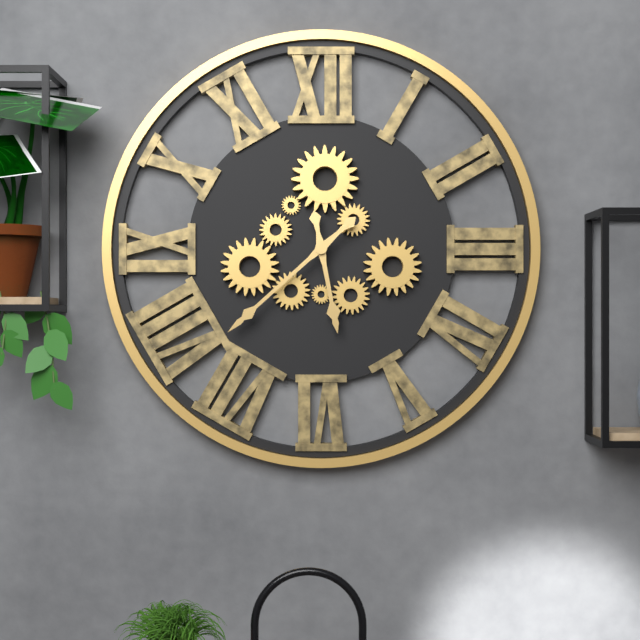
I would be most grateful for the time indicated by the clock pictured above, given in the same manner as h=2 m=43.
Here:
h=5 m=38
